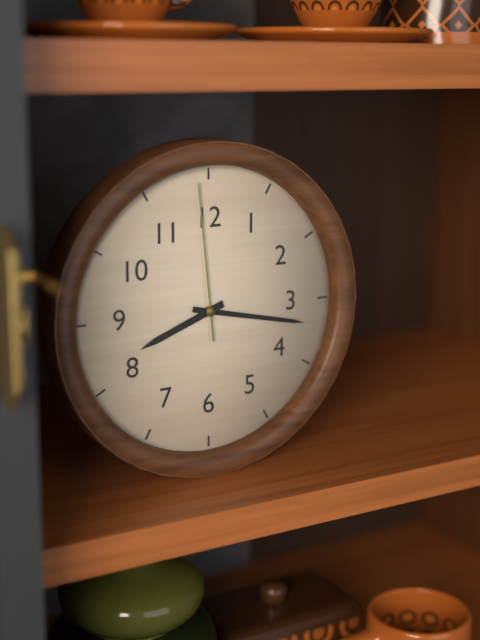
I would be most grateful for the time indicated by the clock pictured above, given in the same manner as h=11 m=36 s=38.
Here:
h=8 m=17 s=59
